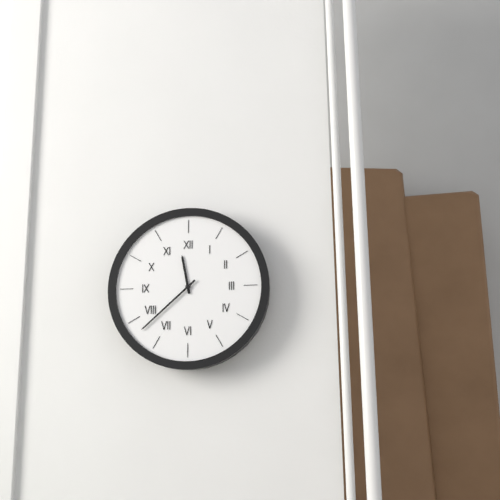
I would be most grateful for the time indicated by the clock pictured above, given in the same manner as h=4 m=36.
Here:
h=11 m=38
